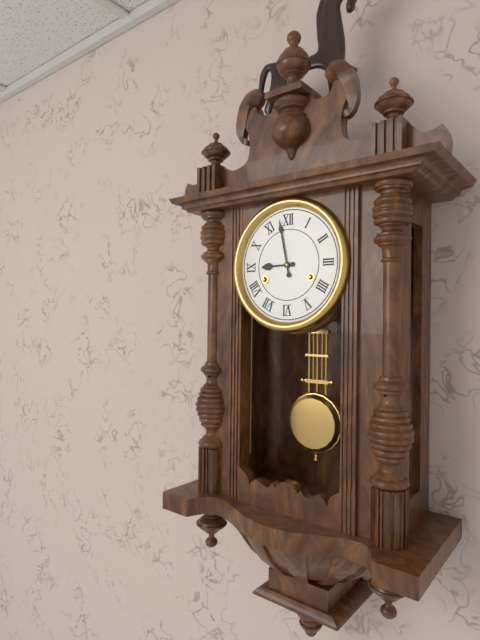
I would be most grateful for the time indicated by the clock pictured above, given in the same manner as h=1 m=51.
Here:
h=8 m=58
